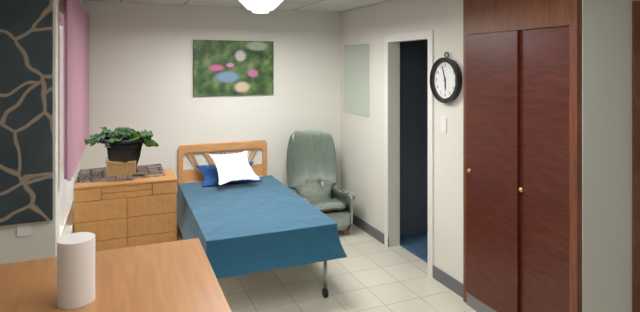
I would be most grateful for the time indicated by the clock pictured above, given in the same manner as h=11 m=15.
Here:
h=5 m=57
